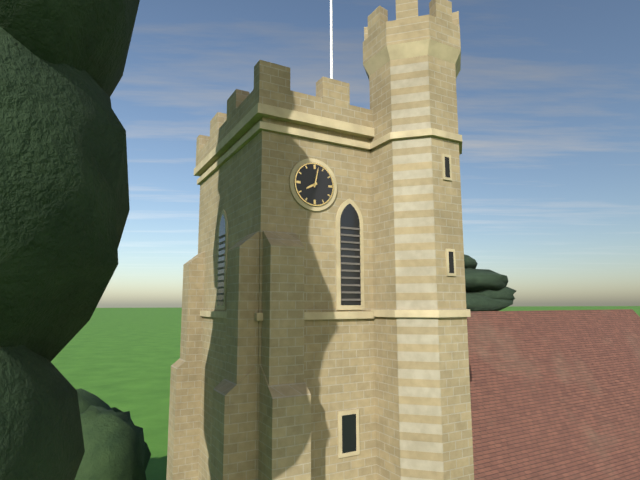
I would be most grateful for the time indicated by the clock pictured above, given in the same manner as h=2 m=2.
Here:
h=8 m=2
